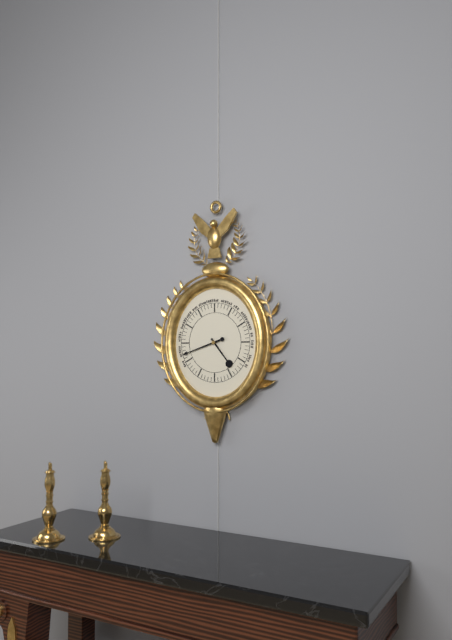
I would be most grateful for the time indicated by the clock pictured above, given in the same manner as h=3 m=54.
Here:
h=4 m=42
